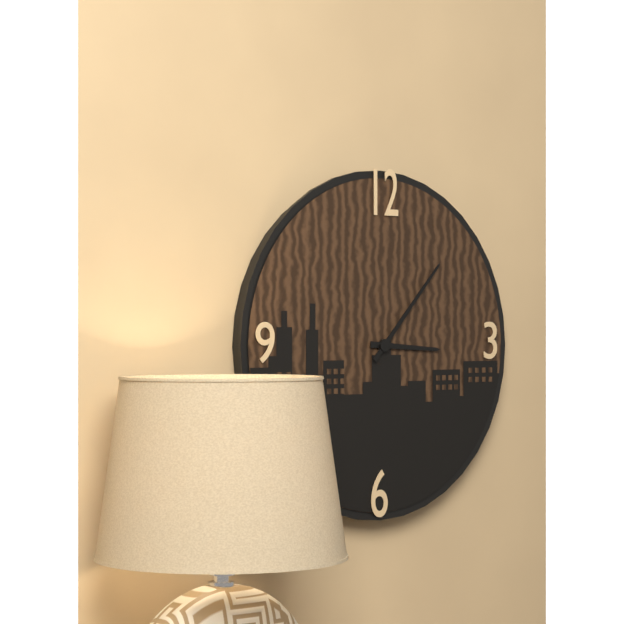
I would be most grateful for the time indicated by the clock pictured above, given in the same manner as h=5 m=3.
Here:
h=3 m=7
